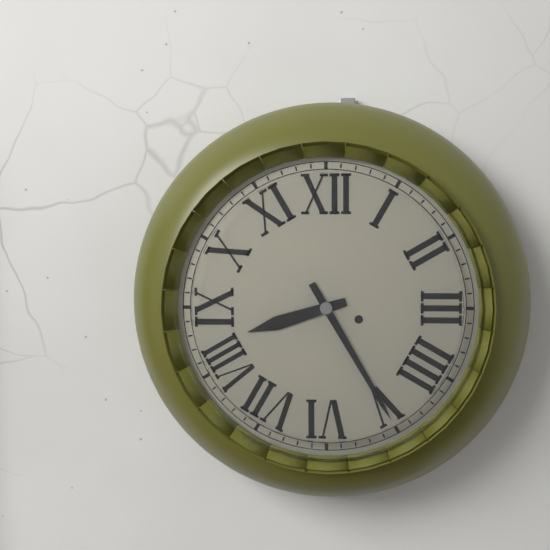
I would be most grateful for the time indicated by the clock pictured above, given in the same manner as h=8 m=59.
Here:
h=8 m=25
